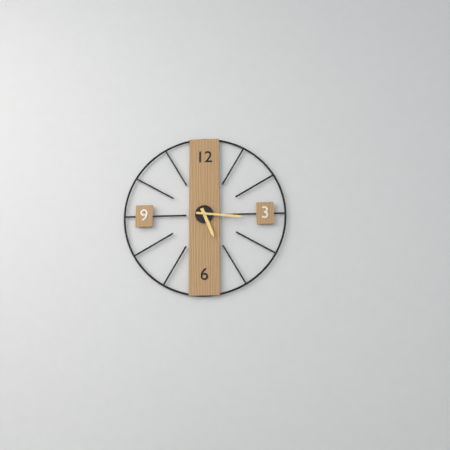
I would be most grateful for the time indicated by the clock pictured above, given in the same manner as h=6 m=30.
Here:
h=5 m=16
